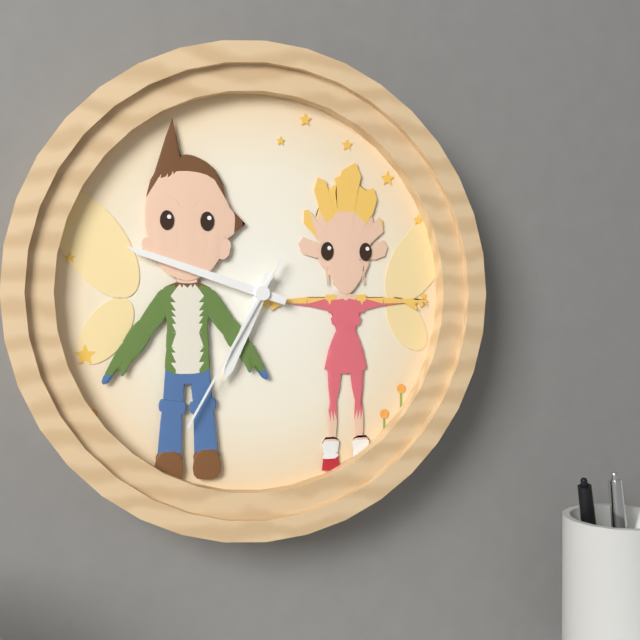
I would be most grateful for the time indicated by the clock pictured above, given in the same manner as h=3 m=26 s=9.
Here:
h=6 m=48 s=35
